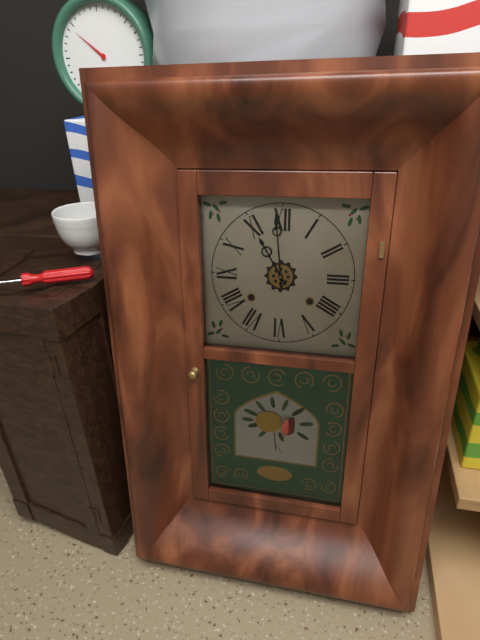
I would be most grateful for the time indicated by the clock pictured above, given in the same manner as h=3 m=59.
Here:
h=10 m=59
